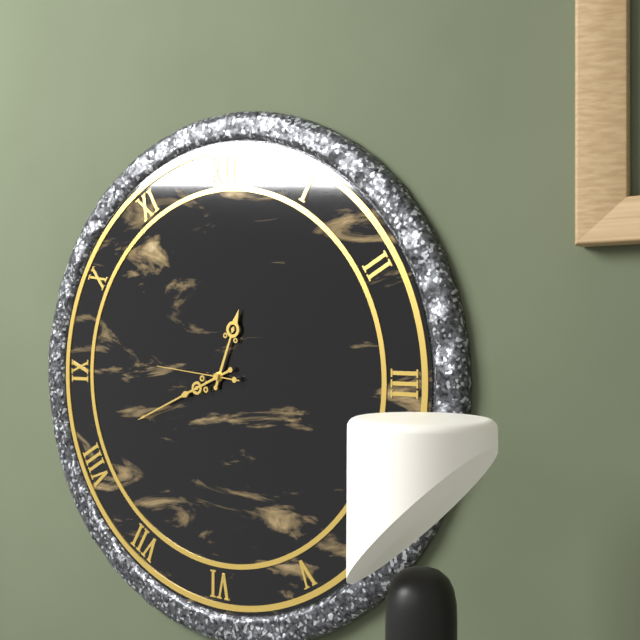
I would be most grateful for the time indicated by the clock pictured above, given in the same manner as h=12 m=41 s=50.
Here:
h=12 m=41 s=46
